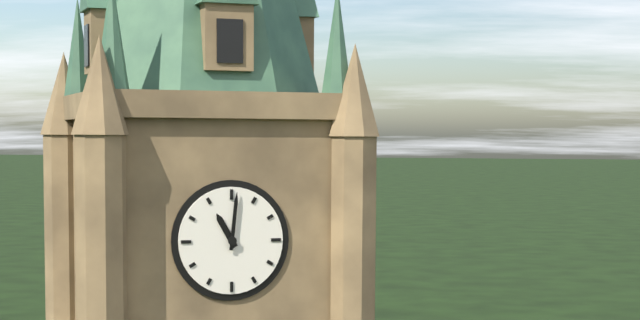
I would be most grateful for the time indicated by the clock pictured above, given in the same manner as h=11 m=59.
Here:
h=11 m=1
